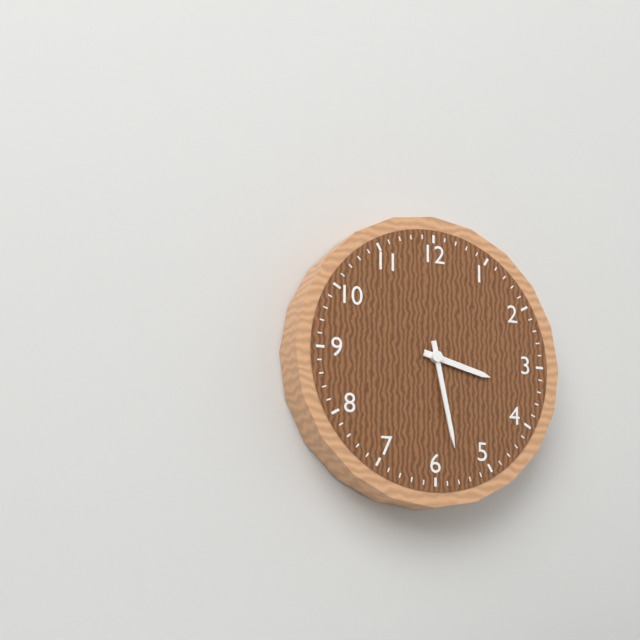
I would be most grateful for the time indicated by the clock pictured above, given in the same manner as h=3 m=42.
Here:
h=3 m=28
